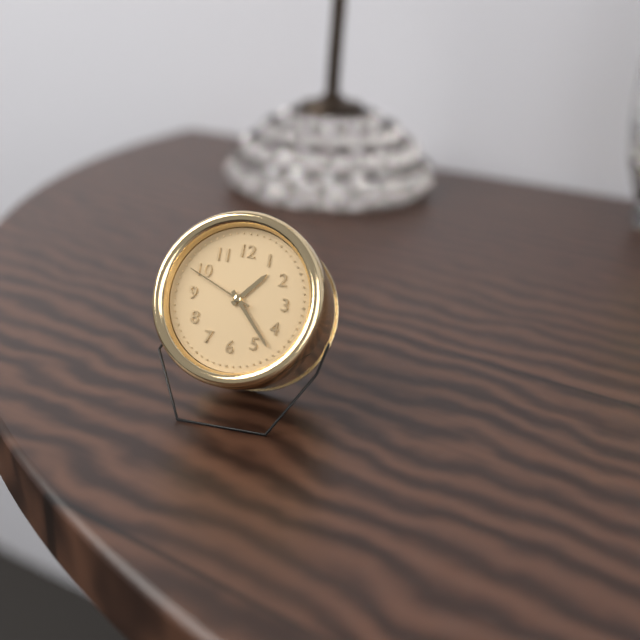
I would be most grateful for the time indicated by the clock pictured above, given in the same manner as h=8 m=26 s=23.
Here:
h=1 m=23 s=49
